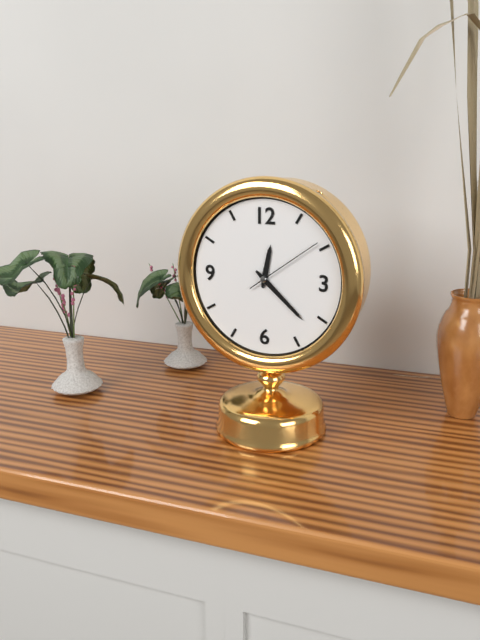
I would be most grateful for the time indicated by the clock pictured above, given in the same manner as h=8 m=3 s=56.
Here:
h=12 m=22 s=9
